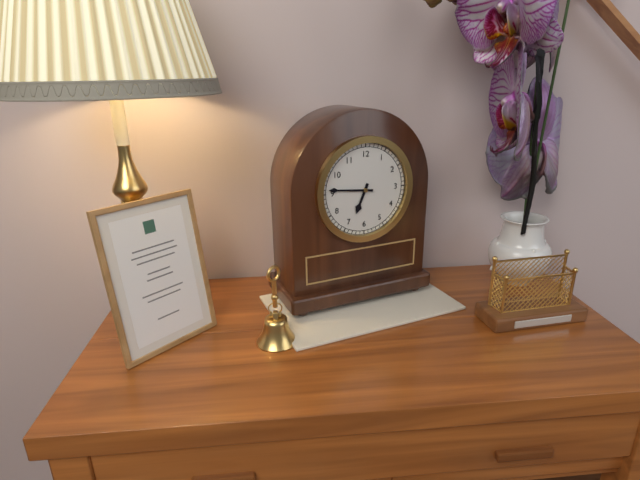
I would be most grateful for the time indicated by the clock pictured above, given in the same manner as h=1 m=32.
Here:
h=6 m=46
